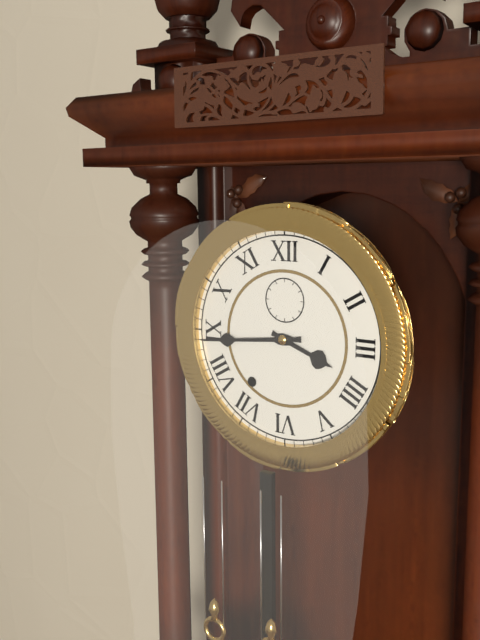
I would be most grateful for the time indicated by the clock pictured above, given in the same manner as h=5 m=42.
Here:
h=3 m=44
